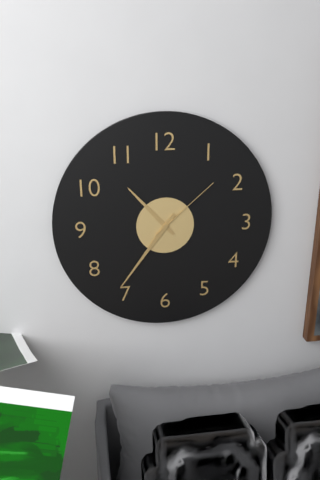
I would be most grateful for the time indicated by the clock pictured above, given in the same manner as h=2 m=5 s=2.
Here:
h=10 m=36 s=8
